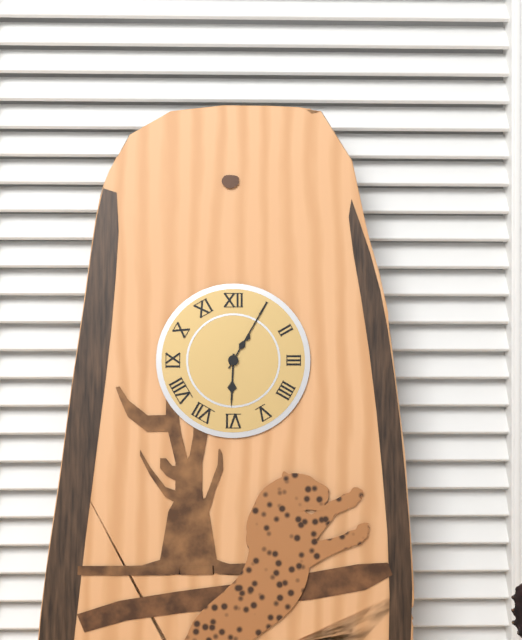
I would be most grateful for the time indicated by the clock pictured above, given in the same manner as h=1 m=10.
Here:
h=6 m=5
